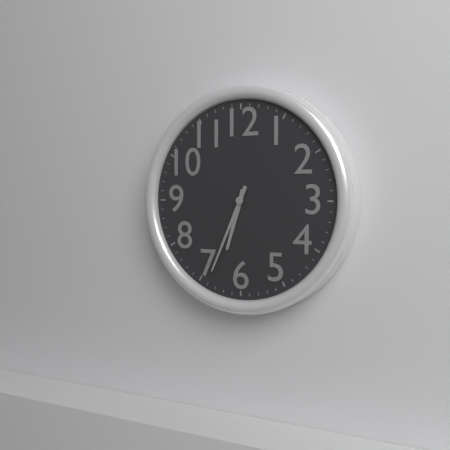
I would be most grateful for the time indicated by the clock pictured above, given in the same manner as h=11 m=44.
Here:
h=6 m=34
